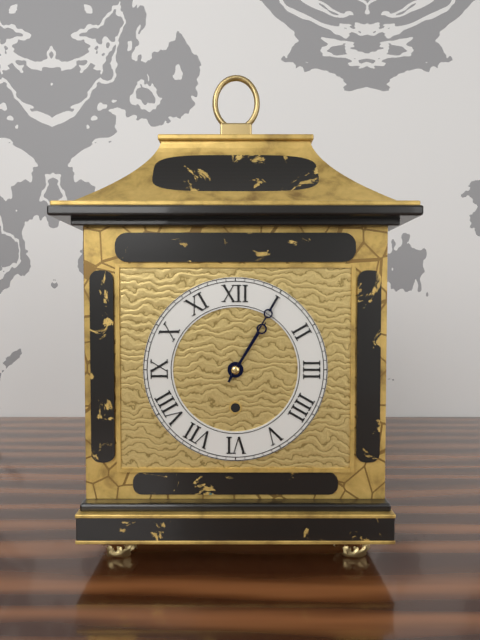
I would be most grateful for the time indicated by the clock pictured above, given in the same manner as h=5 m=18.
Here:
h=1 m=5
